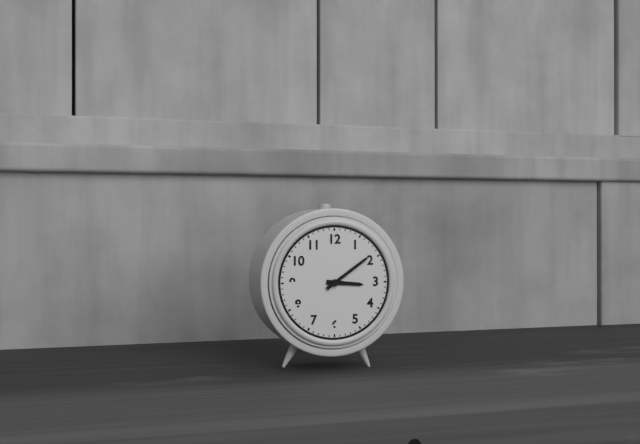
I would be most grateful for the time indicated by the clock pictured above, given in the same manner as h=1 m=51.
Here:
h=3 m=9
